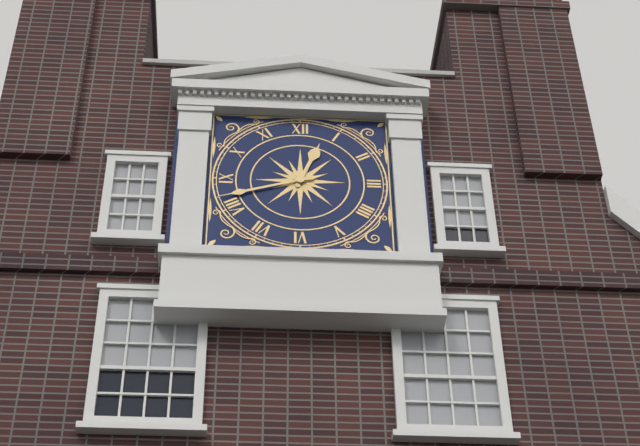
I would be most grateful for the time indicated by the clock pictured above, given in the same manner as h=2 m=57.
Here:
h=12 m=42
